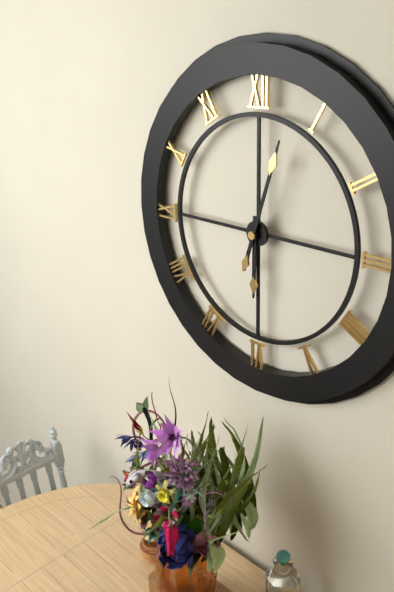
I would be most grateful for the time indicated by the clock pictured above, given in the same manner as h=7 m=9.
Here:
h=6 m=3
